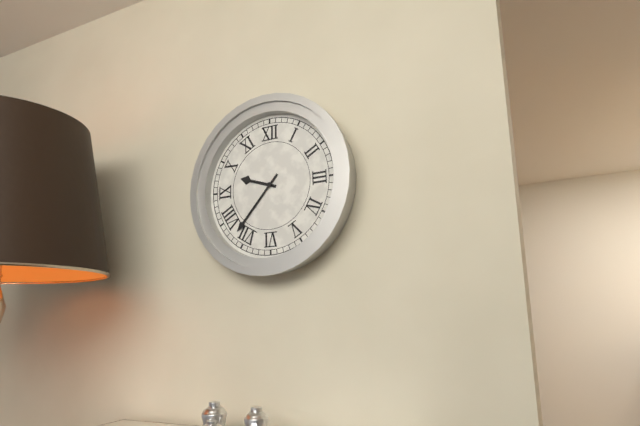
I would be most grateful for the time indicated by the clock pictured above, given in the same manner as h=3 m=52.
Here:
h=9 m=37
